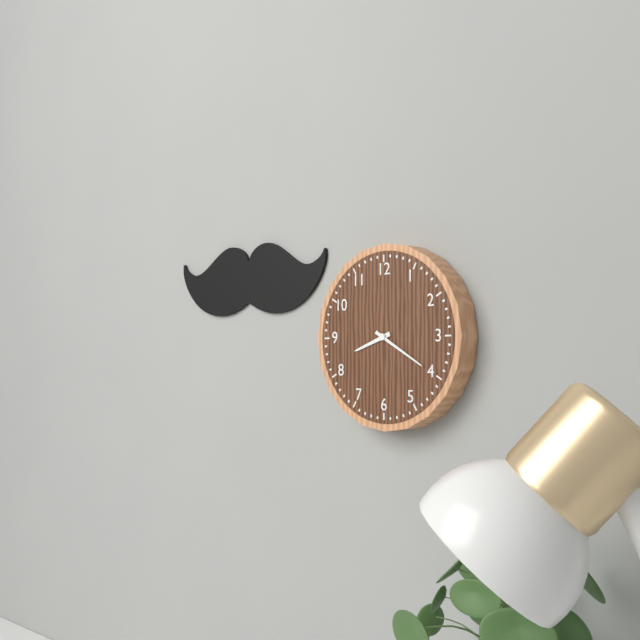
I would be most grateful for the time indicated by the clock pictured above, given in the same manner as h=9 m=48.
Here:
h=8 m=20
